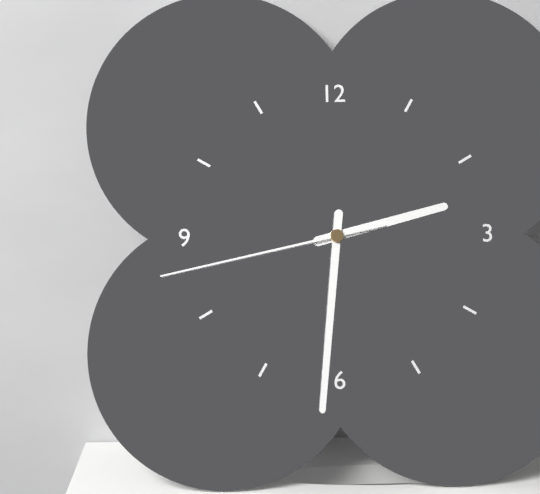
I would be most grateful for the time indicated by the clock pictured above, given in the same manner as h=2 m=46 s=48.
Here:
h=2 m=31 s=43
